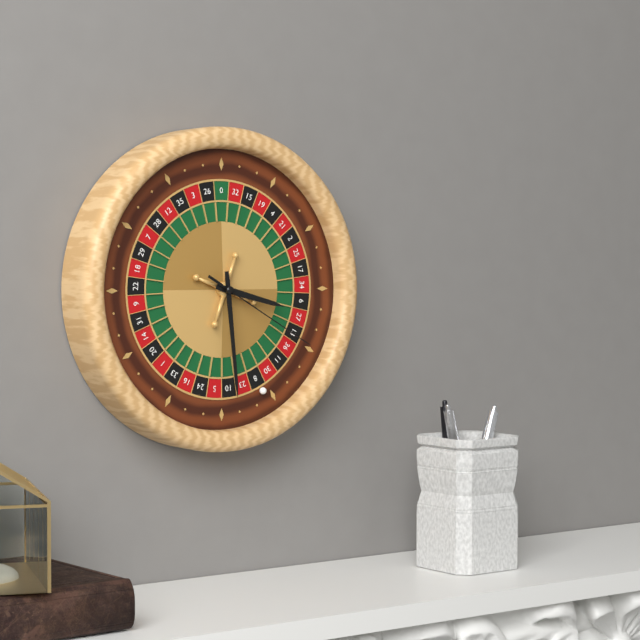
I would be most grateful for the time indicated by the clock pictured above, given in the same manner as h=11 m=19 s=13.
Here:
h=3 m=29 s=20
